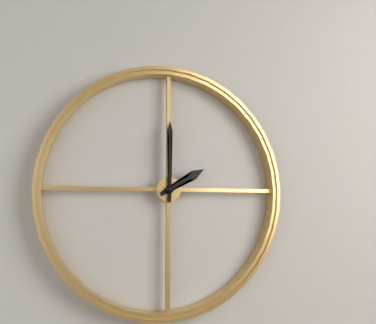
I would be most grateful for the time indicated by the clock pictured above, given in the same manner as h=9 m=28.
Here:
h=2 m=0
